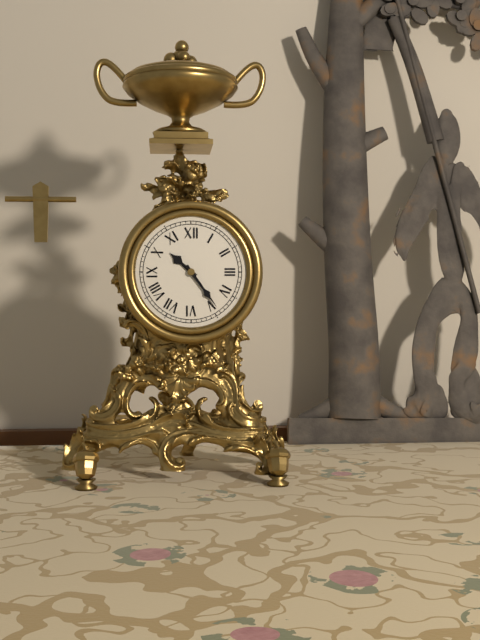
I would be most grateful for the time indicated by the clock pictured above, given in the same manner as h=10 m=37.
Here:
h=10 m=24
